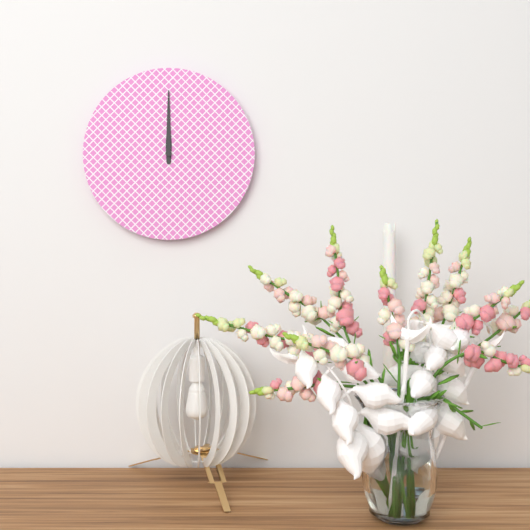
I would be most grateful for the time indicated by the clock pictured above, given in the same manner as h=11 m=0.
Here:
h=12 m=0
